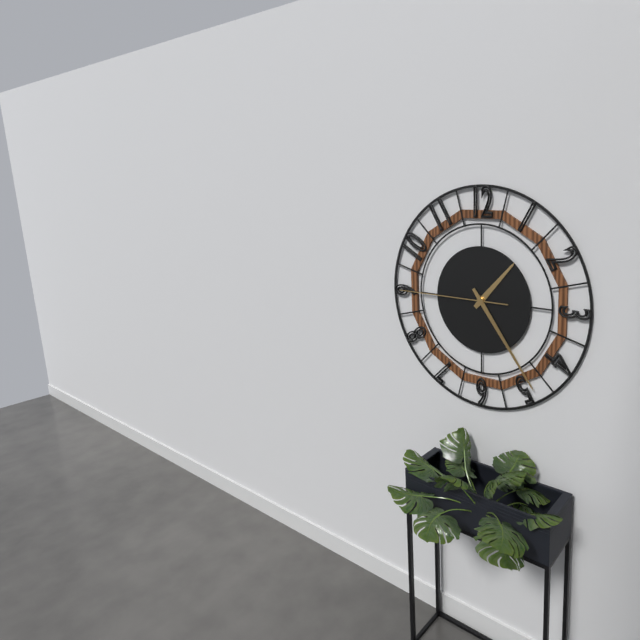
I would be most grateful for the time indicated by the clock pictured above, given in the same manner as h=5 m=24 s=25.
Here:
h=1 m=24 s=45
